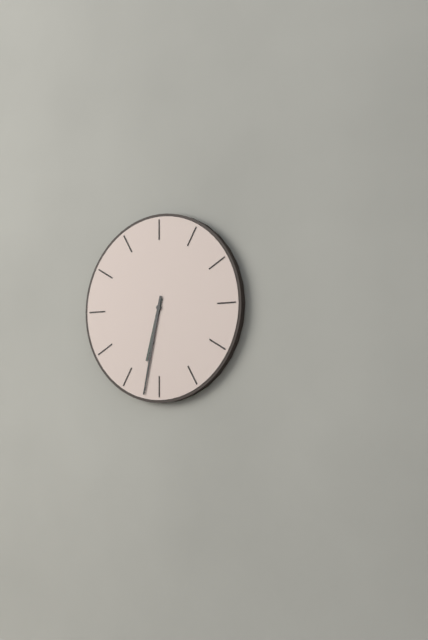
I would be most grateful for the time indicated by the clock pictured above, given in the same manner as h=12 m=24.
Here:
h=6 m=32
